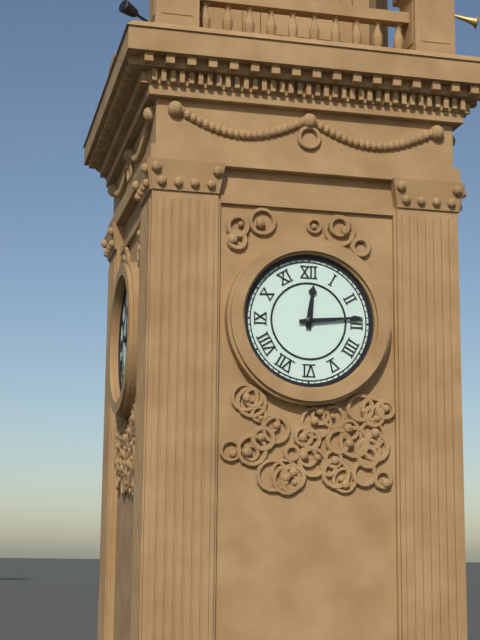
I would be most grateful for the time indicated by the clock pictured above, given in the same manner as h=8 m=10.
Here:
h=12 m=14
